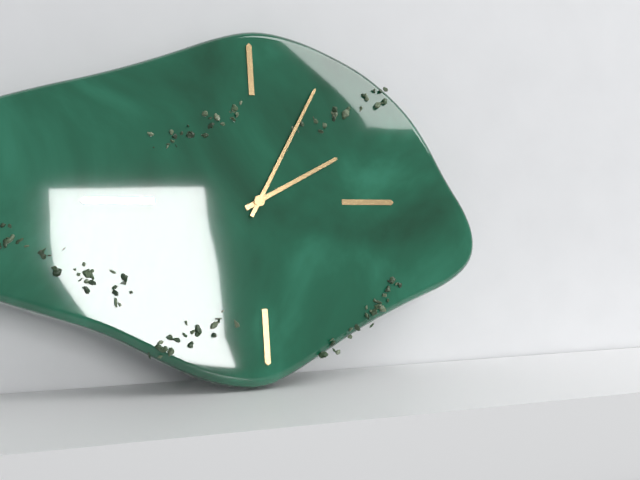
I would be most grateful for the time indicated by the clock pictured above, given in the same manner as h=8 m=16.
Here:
h=2 m=5
